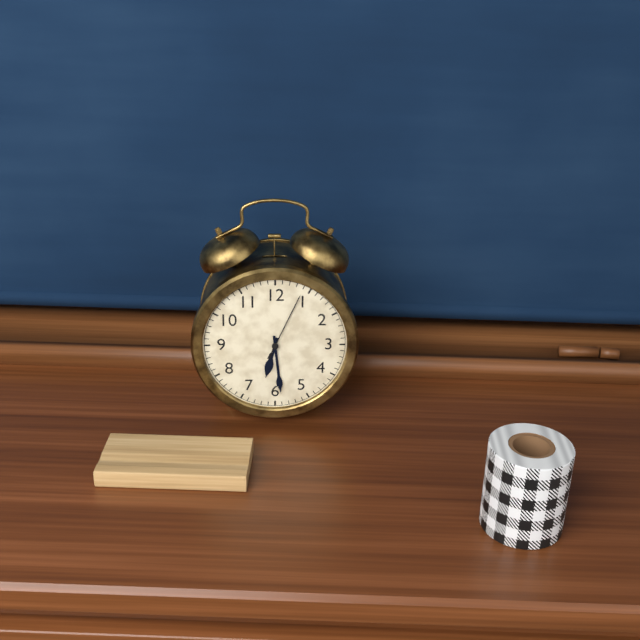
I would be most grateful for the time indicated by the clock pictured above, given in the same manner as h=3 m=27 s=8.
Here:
h=6 m=29 s=4
